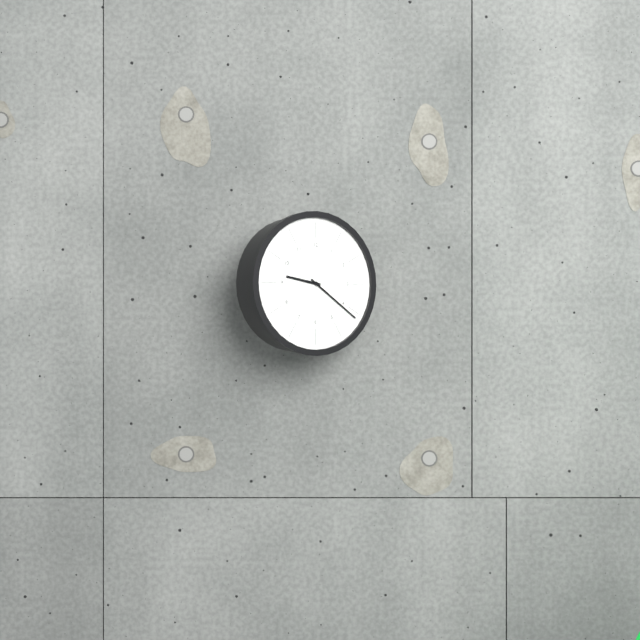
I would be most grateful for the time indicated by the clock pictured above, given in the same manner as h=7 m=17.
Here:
h=9 m=21
